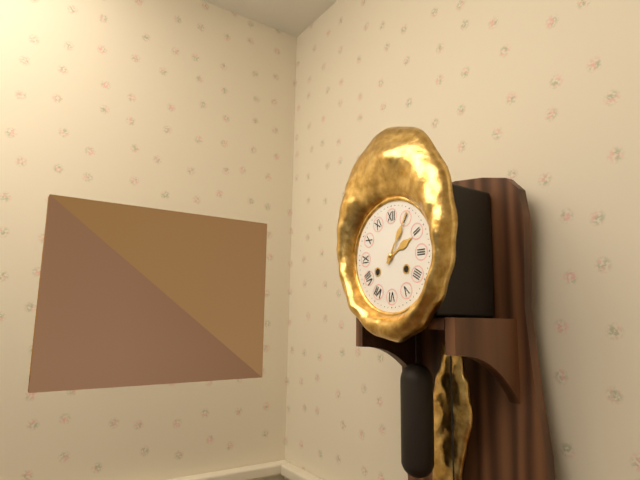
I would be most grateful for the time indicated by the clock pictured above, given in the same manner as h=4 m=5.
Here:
h=2 m=5
